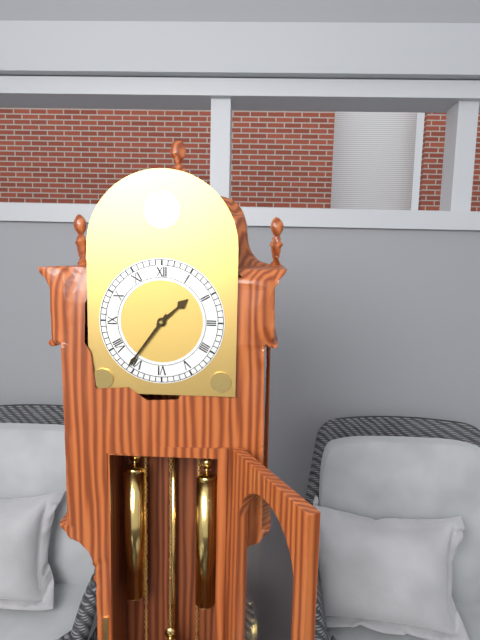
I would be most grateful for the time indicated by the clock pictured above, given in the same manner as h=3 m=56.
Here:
h=1 m=36
